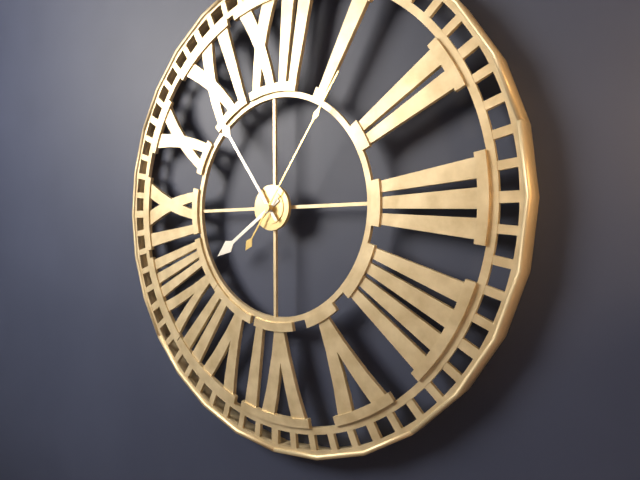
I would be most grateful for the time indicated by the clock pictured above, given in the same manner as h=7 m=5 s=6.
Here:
h=7 m=54 s=6
